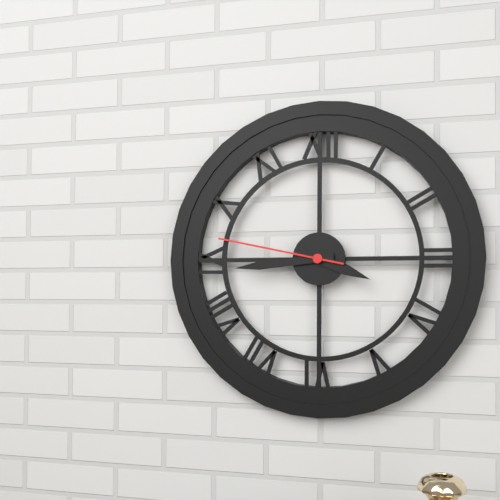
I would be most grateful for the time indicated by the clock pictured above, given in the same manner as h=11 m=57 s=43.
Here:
h=3 m=44 s=47
